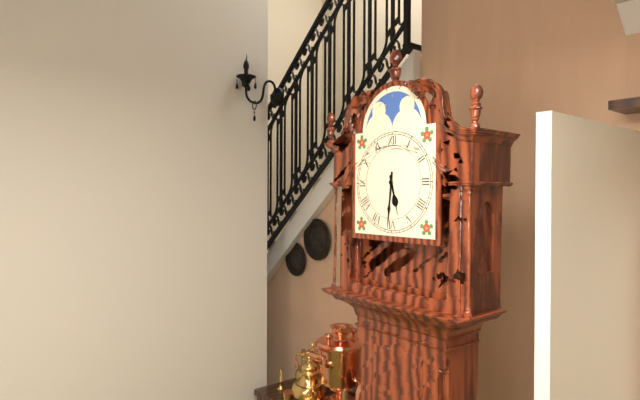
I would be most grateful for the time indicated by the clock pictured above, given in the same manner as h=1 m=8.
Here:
h=5 m=31
